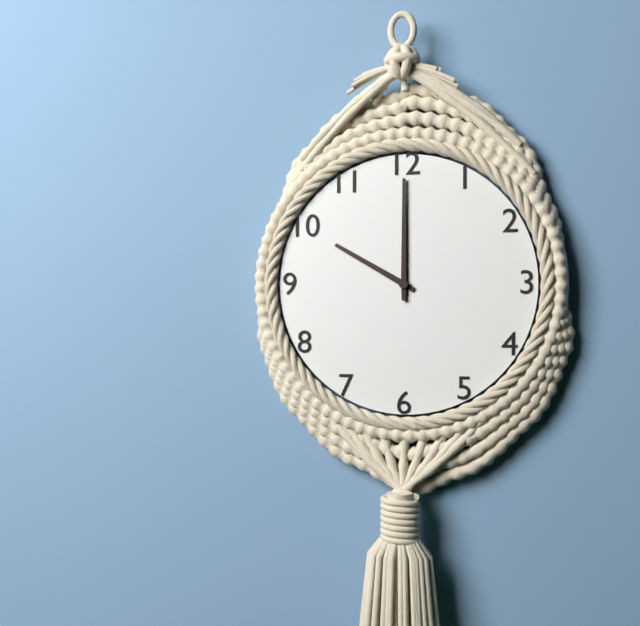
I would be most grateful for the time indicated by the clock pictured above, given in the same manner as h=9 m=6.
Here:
h=10 m=0
